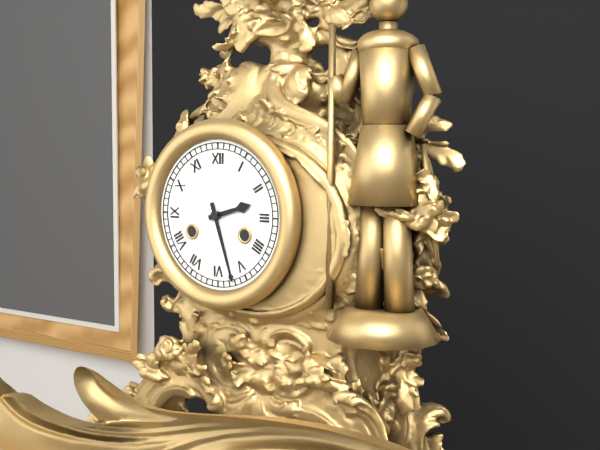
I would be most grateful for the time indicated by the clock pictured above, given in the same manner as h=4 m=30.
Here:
h=2 m=27
